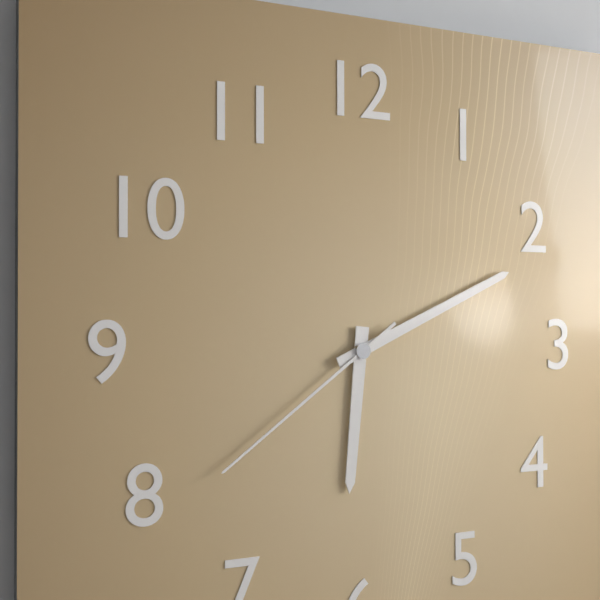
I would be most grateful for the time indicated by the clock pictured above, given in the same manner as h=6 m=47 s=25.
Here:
h=6 m=11 s=39
